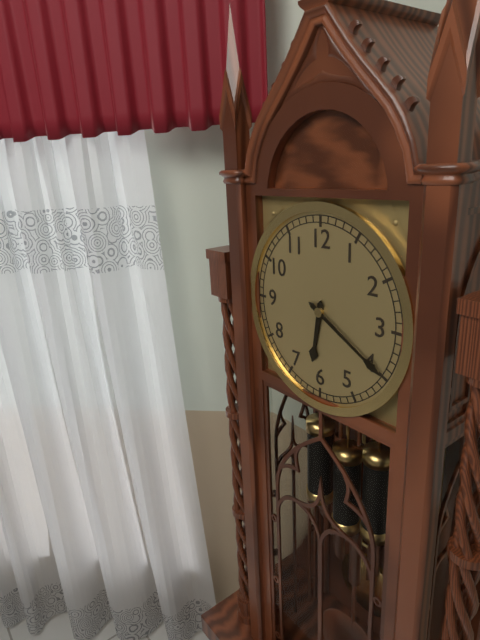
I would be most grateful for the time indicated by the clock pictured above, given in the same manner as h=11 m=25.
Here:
h=6 m=20
